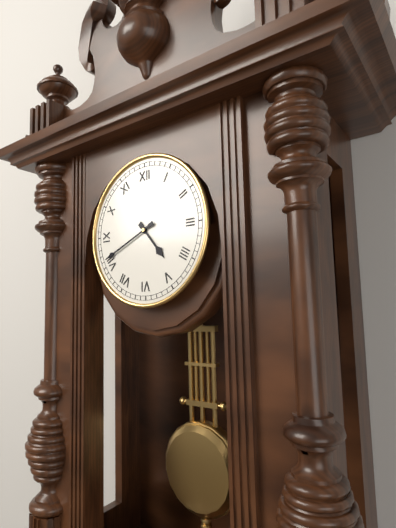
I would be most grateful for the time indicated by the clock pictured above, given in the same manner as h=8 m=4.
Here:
h=4 m=41
